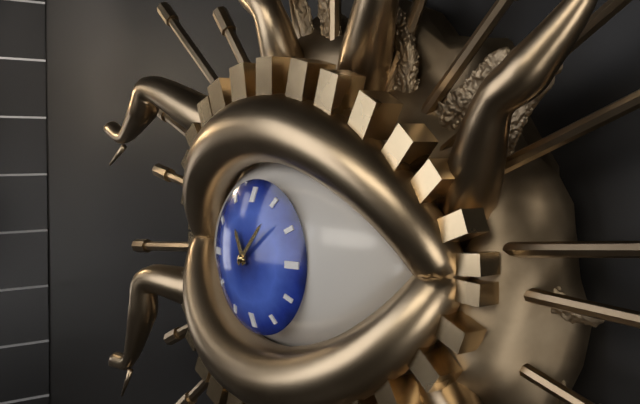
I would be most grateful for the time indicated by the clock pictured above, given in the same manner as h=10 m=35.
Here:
h=11 m=7
